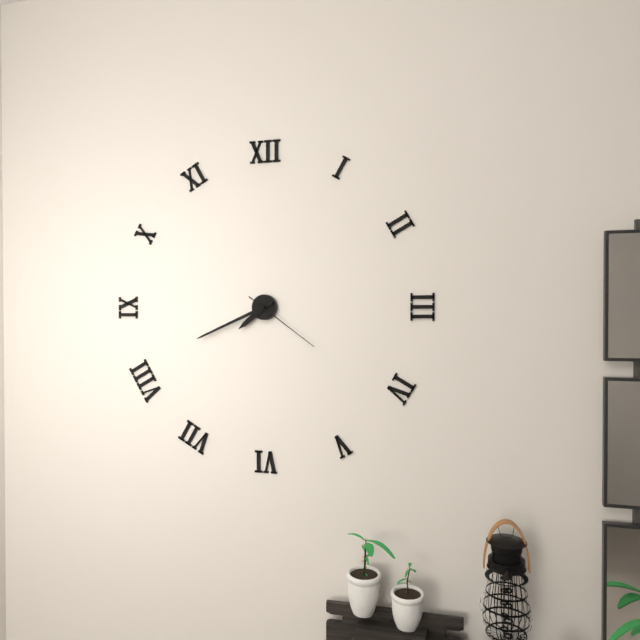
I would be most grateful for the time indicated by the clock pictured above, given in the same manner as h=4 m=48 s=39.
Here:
h=7 m=41 s=21
